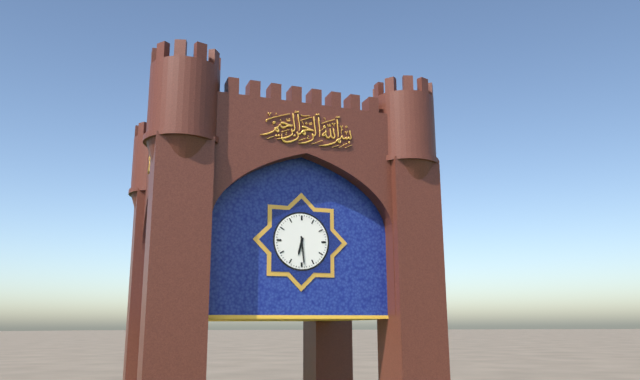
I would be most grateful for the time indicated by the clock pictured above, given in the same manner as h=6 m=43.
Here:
h=6 m=29
